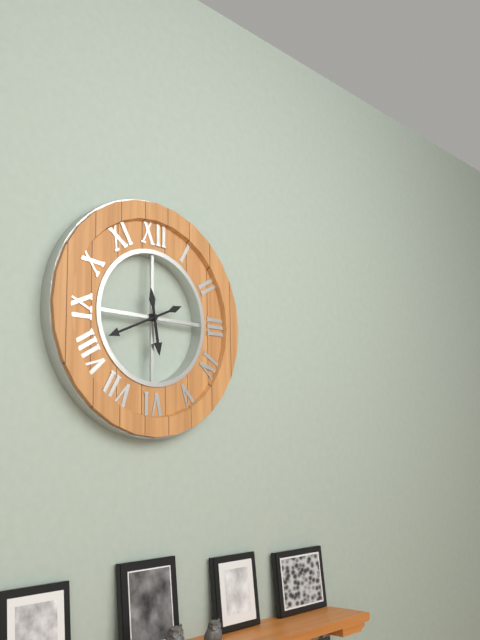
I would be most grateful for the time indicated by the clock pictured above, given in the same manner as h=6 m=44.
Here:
h=5 m=41
